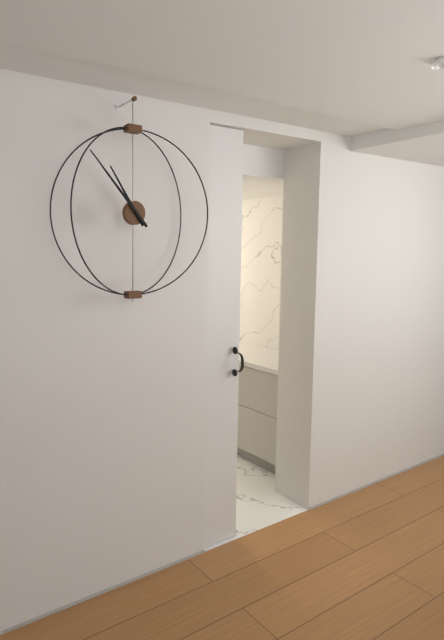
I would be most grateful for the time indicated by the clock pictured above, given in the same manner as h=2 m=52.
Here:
h=10 m=53
